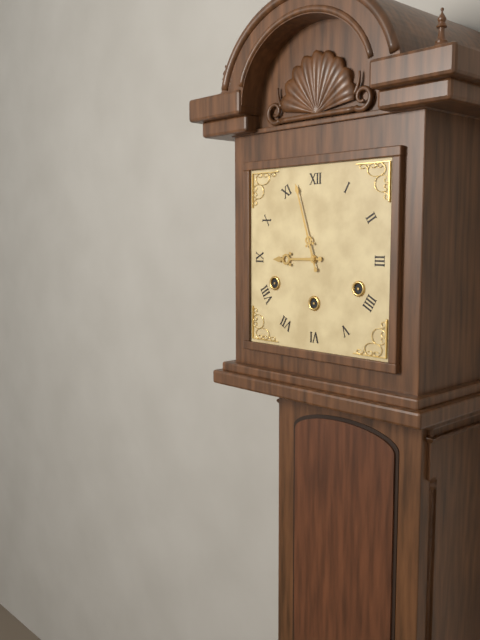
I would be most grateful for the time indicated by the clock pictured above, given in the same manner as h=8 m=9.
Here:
h=8 m=57
